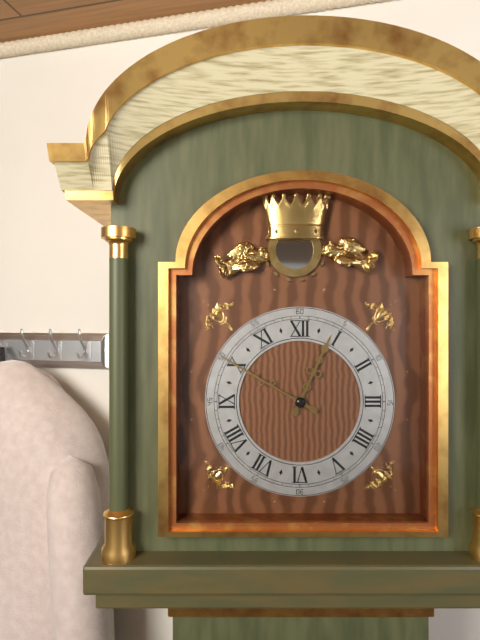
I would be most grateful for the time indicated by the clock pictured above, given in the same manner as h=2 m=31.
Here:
h=12 m=50
